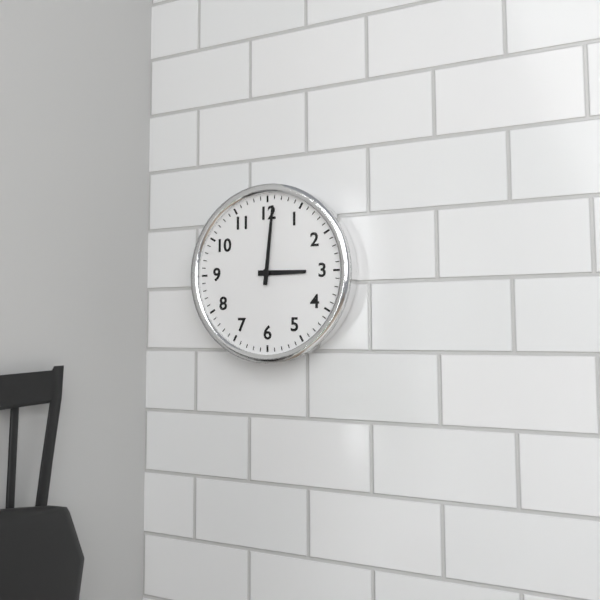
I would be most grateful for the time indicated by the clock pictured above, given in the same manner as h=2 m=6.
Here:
h=3 m=1
